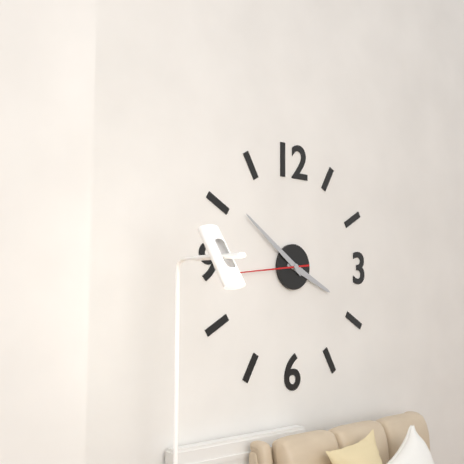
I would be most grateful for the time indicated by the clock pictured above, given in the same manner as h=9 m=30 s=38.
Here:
h=3 m=51 s=44
